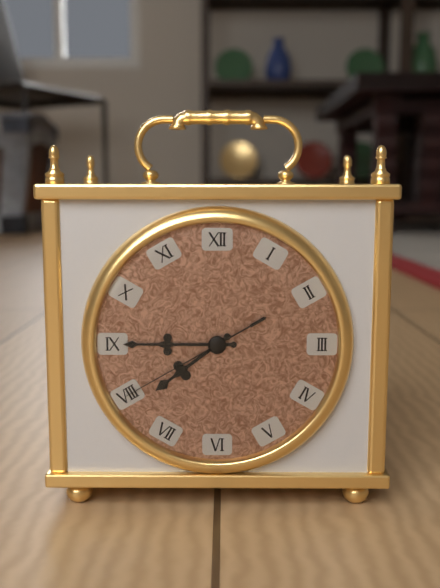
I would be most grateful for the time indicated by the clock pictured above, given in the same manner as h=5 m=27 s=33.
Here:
h=7 m=45 s=40
